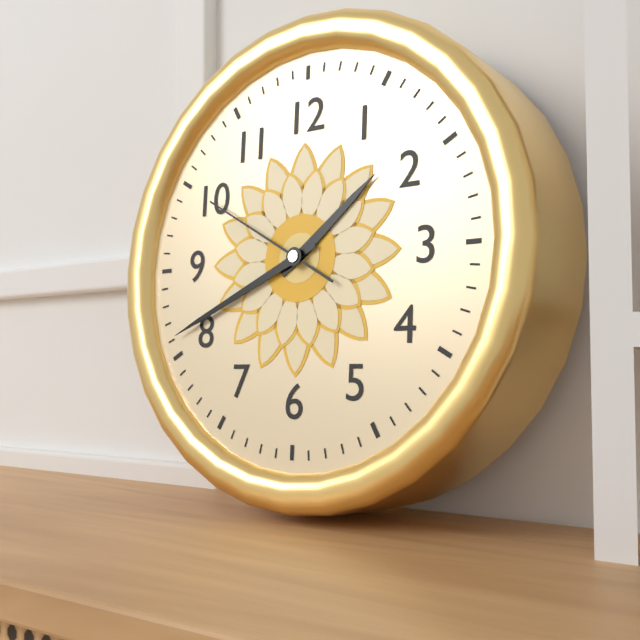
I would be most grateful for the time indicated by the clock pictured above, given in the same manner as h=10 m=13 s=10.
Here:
h=1 m=41 s=50
